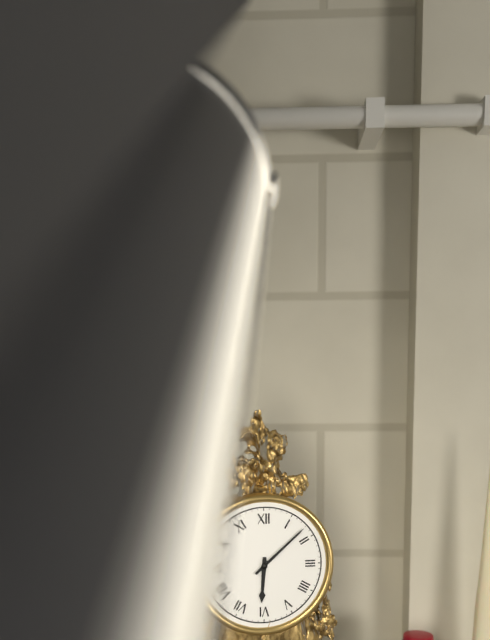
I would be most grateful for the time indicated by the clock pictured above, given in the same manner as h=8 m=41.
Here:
h=6 m=8
